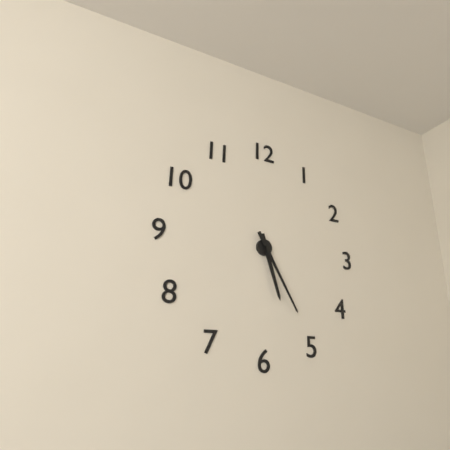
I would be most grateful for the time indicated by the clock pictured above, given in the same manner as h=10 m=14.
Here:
h=5 m=25
